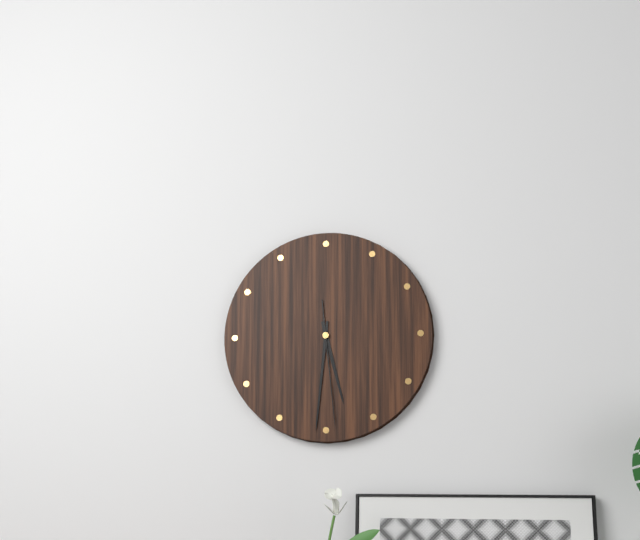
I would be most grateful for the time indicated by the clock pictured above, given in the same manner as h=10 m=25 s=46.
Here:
h=5 m=31 s=29
